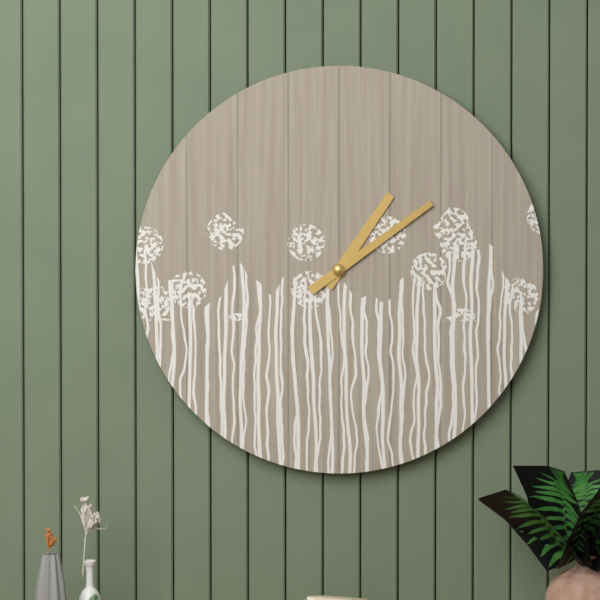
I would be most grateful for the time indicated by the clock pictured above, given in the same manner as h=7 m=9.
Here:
h=1 m=9
